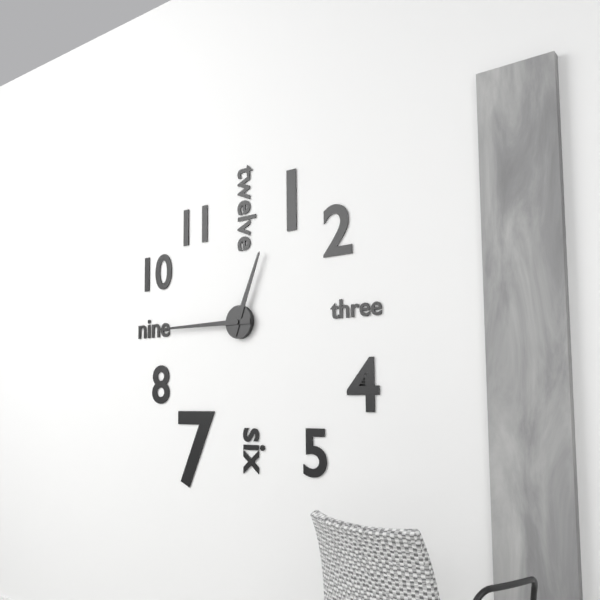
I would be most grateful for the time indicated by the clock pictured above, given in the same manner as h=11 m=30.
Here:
h=12 m=45
